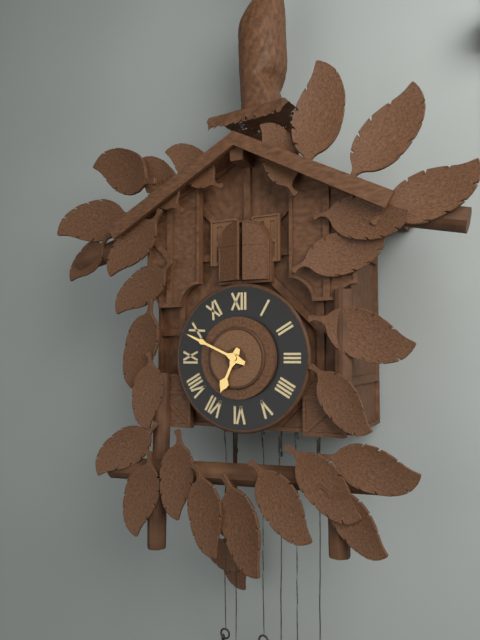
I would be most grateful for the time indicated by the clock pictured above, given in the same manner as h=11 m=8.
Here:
h=6 m=49
